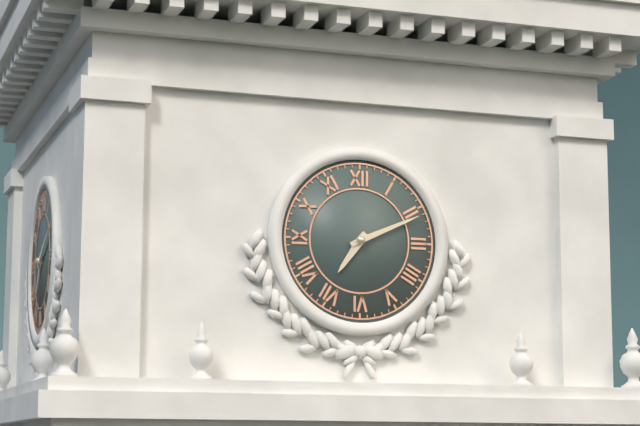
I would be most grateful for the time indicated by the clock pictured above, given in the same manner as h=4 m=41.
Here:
h=7 m=11
